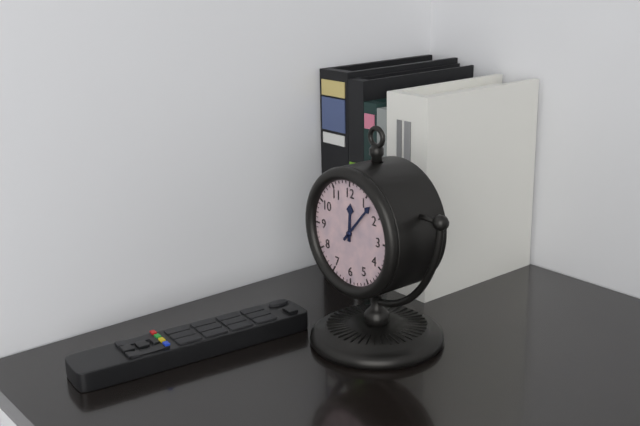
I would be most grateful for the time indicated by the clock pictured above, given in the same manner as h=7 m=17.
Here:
h=12 m=7
